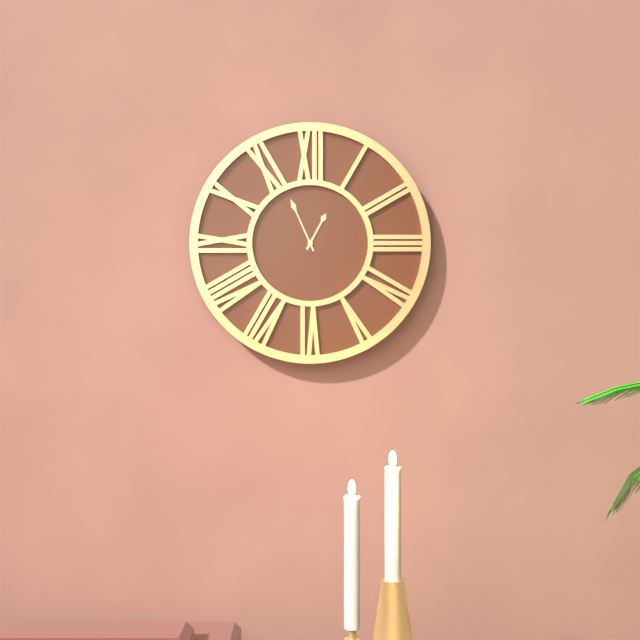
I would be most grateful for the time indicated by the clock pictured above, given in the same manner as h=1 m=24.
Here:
h=12 m=56
